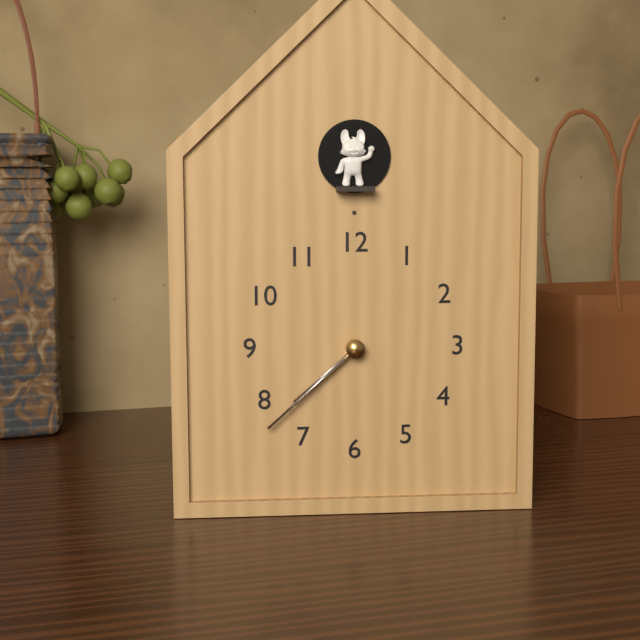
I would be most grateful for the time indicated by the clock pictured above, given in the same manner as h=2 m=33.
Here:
h=7 m=38
